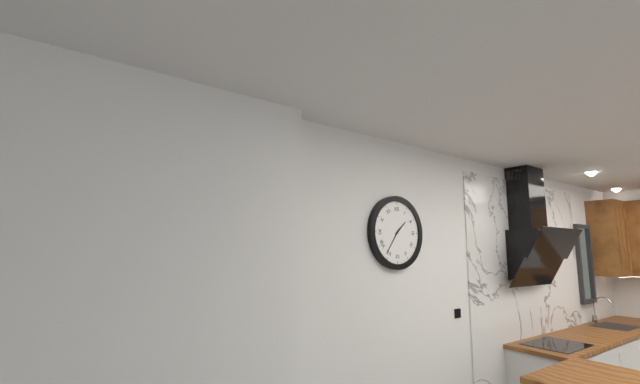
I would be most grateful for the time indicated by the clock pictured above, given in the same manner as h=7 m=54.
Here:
h=1 m=36
